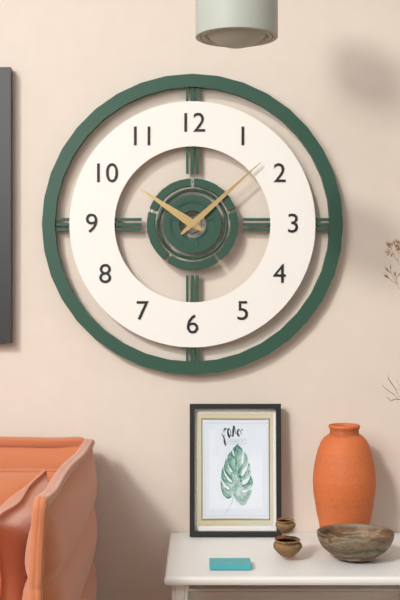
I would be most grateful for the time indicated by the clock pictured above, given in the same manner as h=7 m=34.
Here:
h=10 m=8
